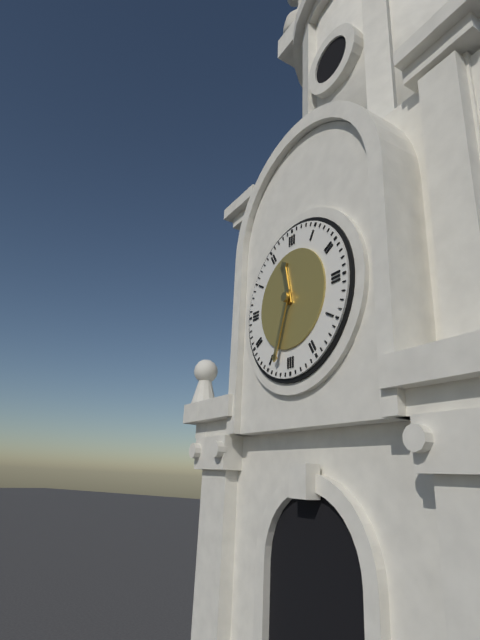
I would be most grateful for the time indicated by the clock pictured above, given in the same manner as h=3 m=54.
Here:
h=11 m=33
